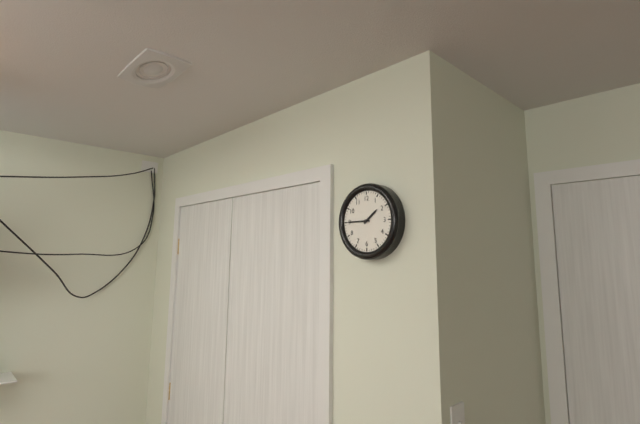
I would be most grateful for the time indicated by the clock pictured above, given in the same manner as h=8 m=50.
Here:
h=1 m=45
